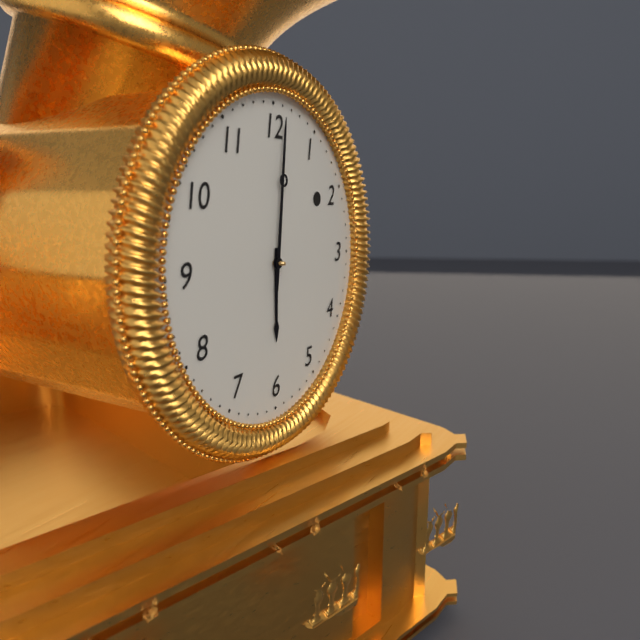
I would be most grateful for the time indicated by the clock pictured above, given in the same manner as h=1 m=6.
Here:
h=6 m=1
